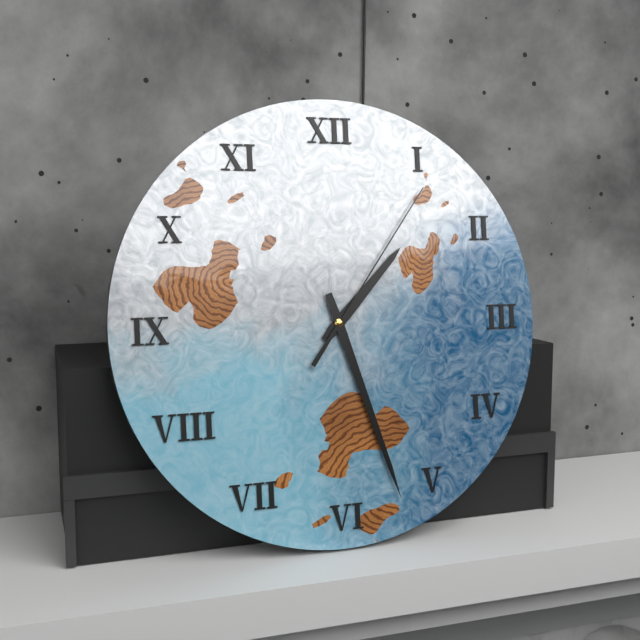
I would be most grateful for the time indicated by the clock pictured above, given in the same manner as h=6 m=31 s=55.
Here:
h=1 m=27 s=6
